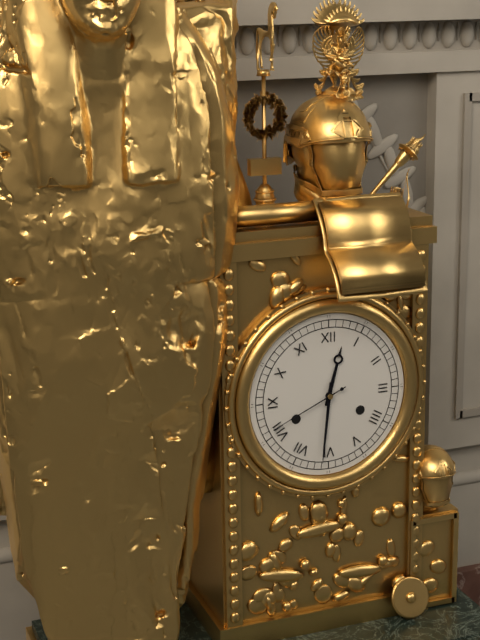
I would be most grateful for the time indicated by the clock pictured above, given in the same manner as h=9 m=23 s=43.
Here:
h=12 m=31 s=41
